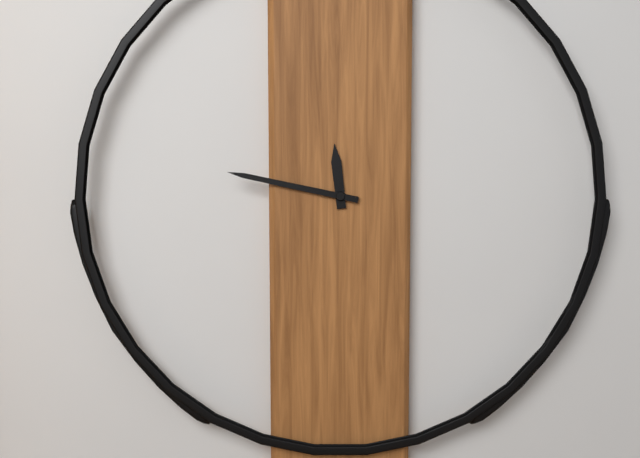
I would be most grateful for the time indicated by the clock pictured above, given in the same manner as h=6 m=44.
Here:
h=11 m=47
